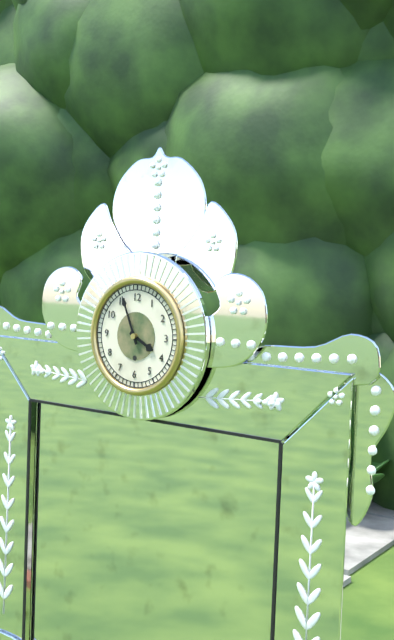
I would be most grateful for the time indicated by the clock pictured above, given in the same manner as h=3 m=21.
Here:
h=3 m=56
